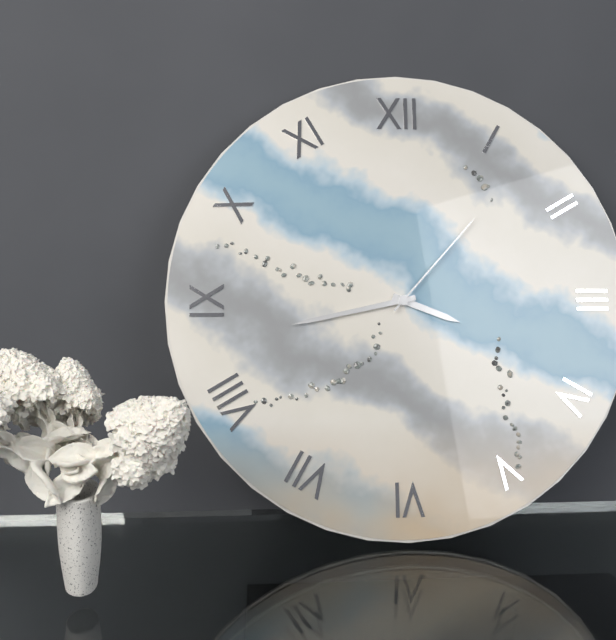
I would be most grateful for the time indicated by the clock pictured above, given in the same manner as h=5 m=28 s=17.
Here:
h=3 m=43 s=7
